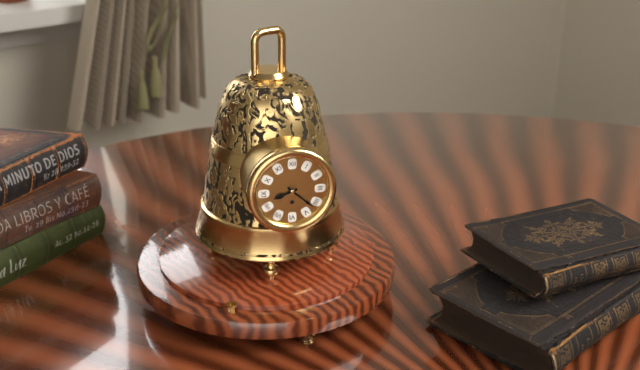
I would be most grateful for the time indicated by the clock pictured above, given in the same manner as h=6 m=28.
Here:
h=8 m=22
